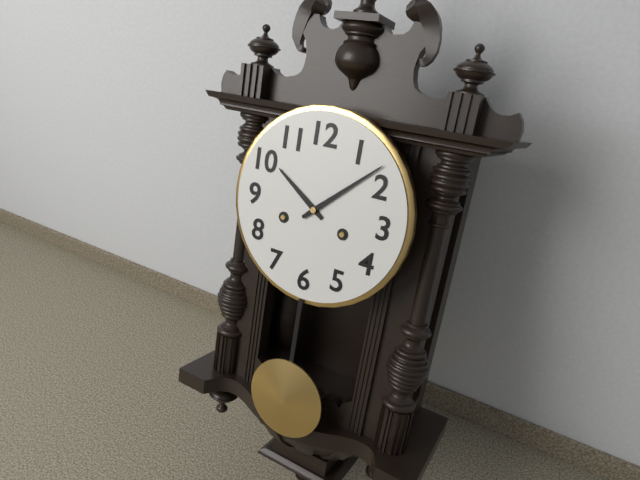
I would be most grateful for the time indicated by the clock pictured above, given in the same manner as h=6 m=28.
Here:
h=10 m=8
